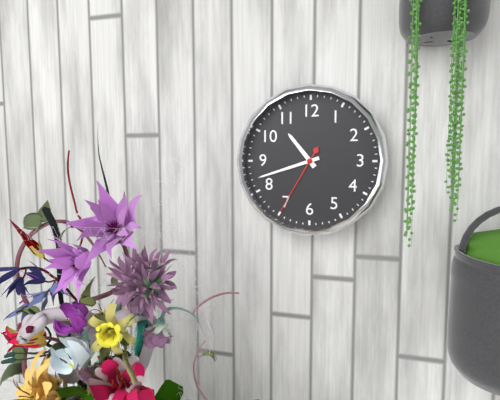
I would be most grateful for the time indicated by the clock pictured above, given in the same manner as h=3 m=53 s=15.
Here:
h=10 m=42 s=35
